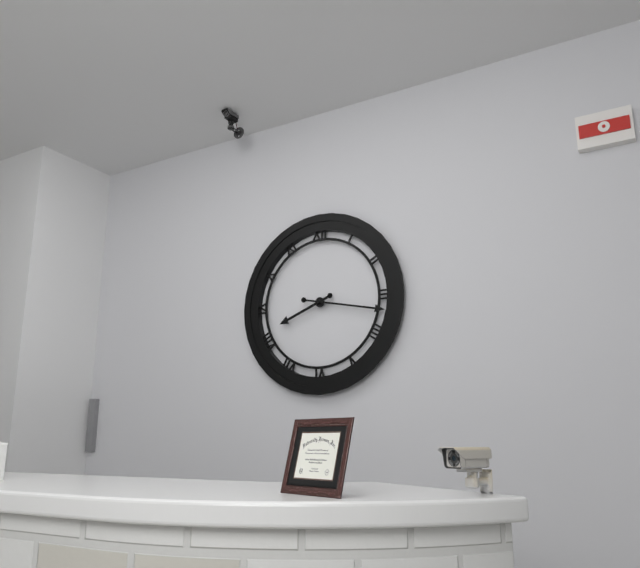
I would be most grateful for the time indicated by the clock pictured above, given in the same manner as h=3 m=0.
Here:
h=8 m=17
